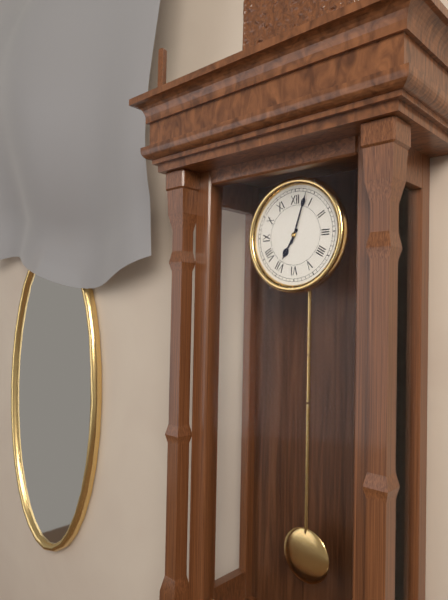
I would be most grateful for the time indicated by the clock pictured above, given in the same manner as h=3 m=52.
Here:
h=7 m=3
